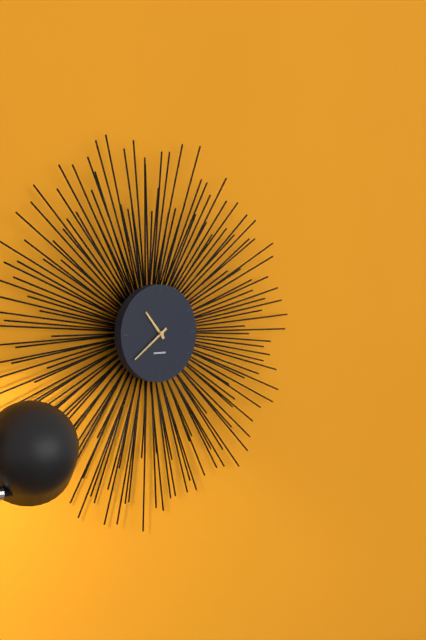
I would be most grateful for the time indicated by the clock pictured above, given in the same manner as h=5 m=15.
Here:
h=10 m=39
